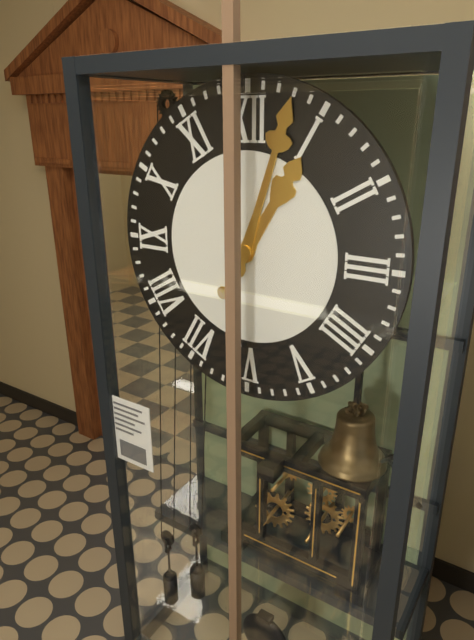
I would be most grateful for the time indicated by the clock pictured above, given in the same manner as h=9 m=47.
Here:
h=1 m=3
